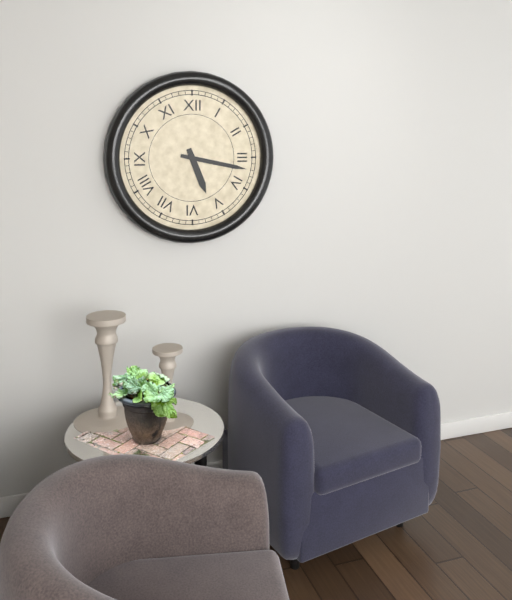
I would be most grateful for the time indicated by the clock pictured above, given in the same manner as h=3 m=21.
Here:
h=5 m=17
